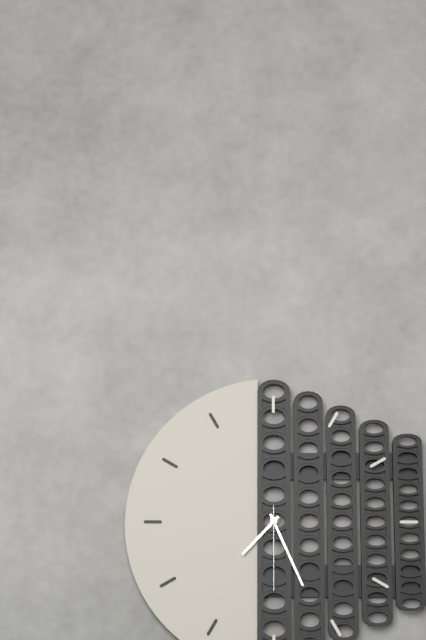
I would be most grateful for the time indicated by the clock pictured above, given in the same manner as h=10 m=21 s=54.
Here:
h=7 m=26 s=30
